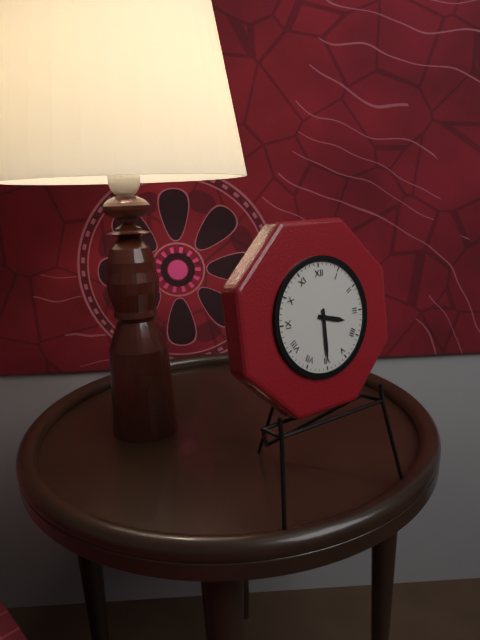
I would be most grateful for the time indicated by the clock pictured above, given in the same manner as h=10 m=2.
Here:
h=3 m=30
